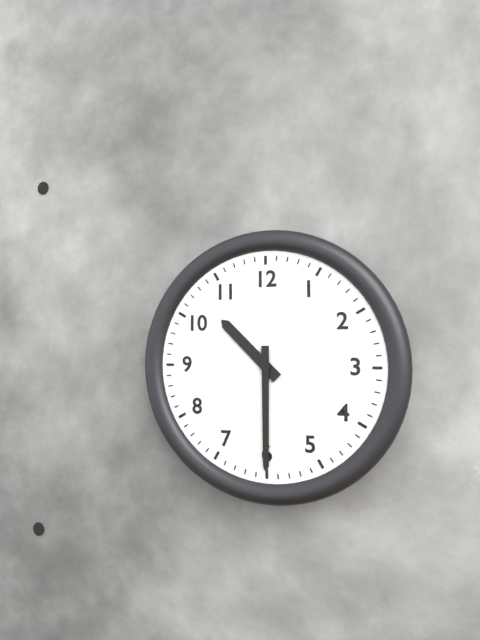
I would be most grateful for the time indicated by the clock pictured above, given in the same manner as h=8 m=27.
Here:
h=10 m=30
